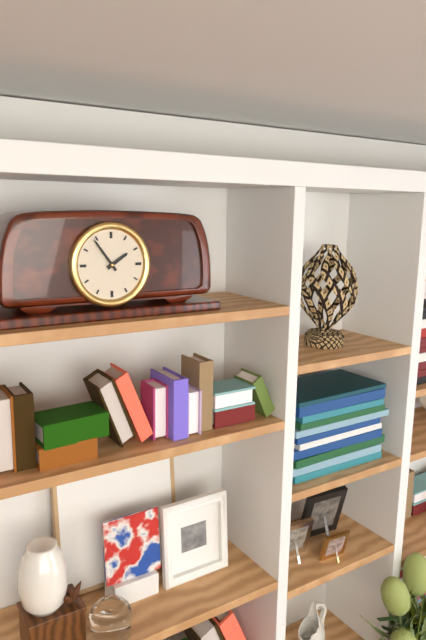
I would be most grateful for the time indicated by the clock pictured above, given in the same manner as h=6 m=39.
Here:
h=1 m=54
